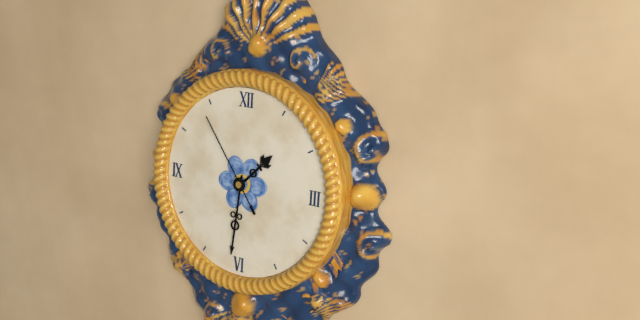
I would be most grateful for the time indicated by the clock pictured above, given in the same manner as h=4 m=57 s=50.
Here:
h=1 m=31 s=54
